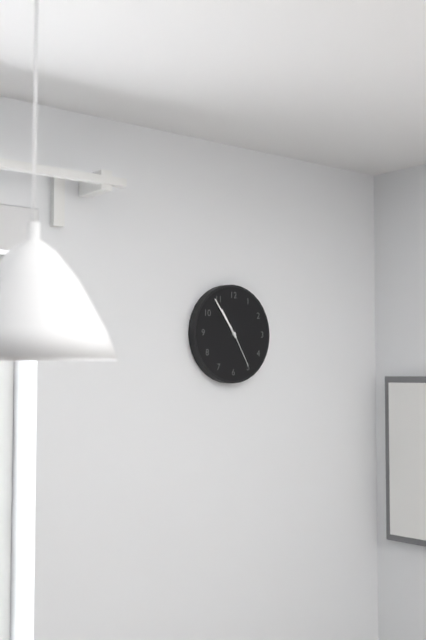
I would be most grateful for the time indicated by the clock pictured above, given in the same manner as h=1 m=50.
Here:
h=10 m=54
